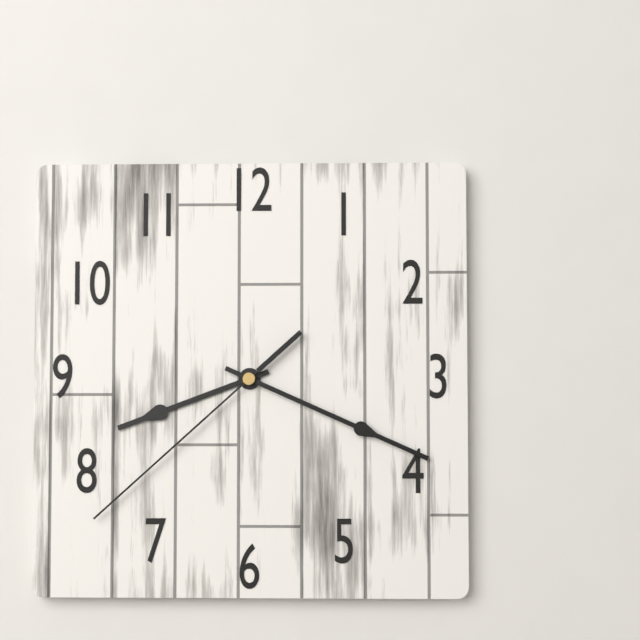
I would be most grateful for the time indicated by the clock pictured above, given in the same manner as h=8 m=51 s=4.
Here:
h=8 m=19 s=38
